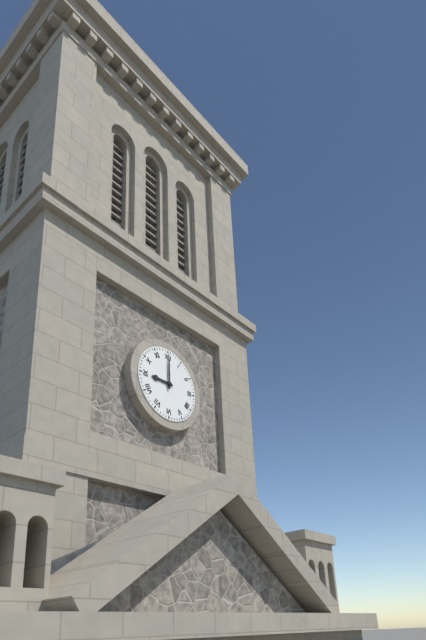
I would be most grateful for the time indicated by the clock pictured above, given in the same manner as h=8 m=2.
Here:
h=9 m=0
